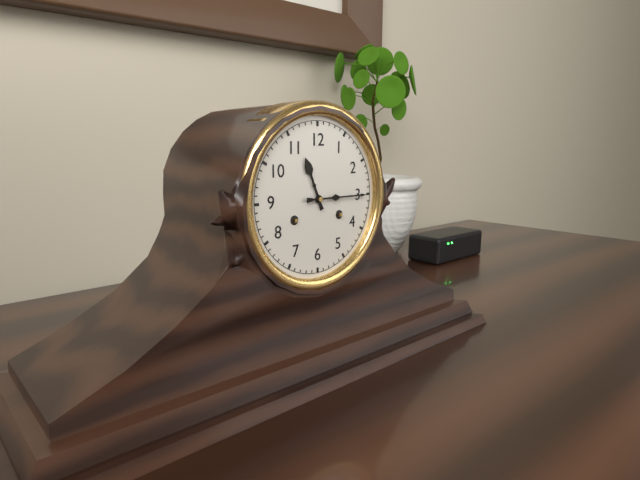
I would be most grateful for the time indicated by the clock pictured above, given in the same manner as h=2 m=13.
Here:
h=11 m=15
